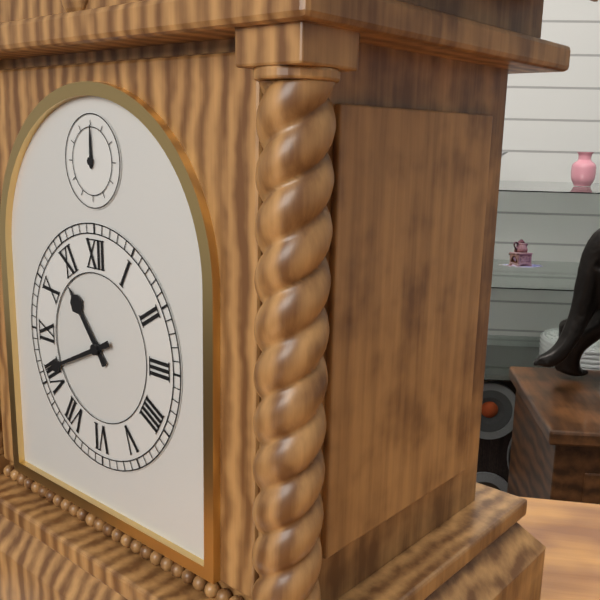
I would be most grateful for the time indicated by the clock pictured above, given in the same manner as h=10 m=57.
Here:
h=10 m=41
